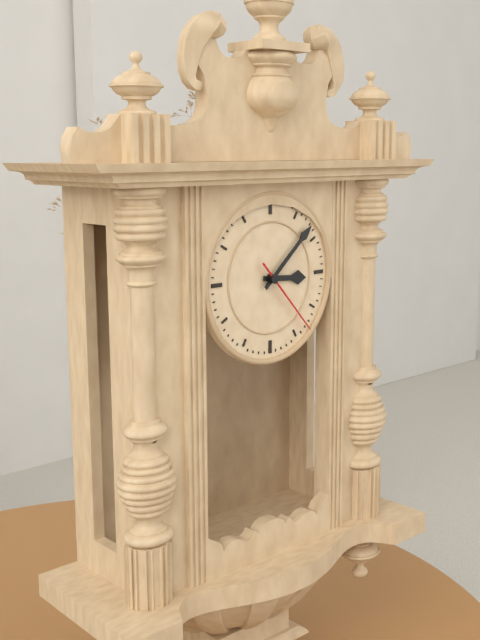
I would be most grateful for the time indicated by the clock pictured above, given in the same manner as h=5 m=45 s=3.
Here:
h=3 m=8 s=23
